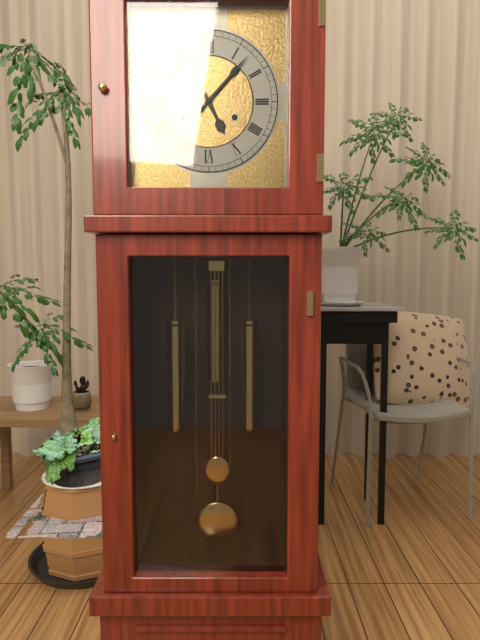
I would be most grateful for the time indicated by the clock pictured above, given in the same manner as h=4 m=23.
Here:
h=5 m=7
